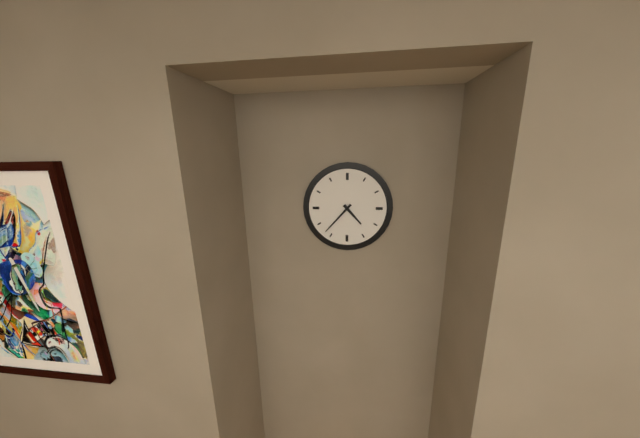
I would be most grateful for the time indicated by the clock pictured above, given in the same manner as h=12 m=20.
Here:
h=4 m=37
